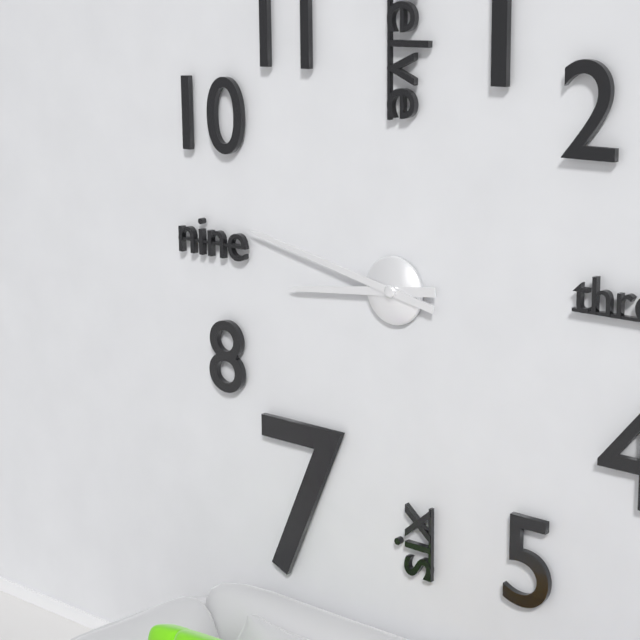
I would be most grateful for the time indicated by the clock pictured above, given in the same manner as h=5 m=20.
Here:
h=8 m=47
